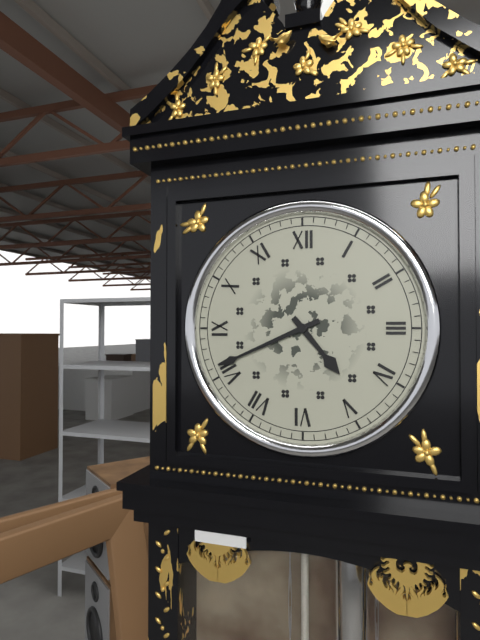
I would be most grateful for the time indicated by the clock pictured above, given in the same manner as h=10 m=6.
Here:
h=4 m=41
